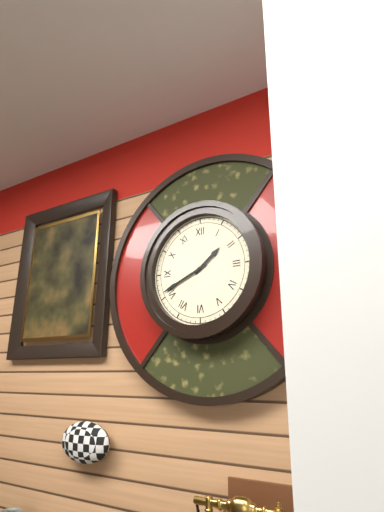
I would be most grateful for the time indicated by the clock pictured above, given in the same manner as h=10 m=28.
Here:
h=1 m=41
